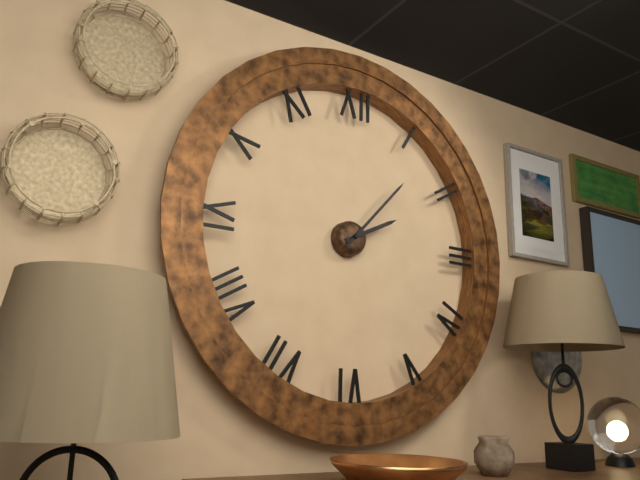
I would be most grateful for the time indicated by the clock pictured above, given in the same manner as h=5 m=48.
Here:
h=2 m=7
